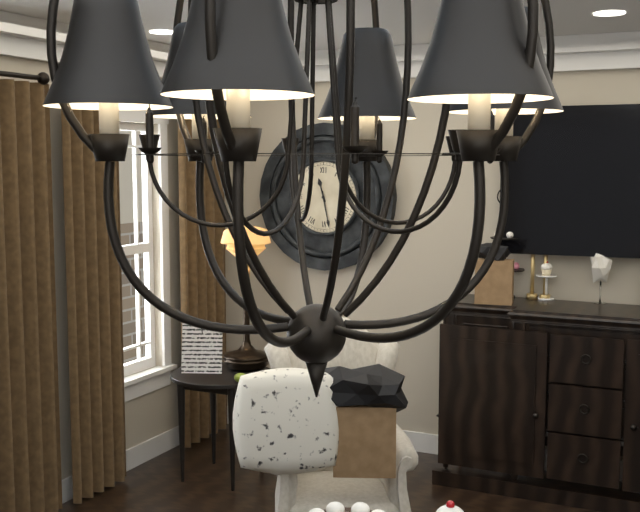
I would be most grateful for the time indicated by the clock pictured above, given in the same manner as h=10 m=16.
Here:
h=11 m=28
